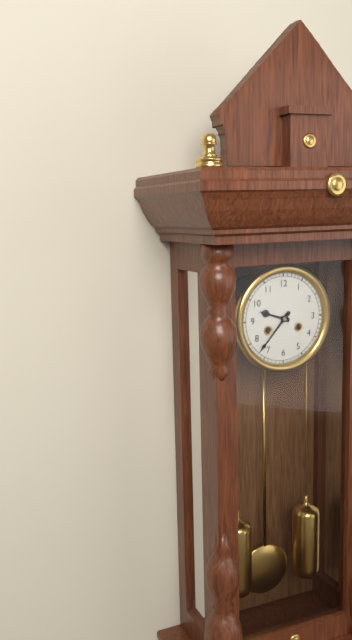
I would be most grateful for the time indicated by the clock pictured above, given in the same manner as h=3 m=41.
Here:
h=9 m=37
